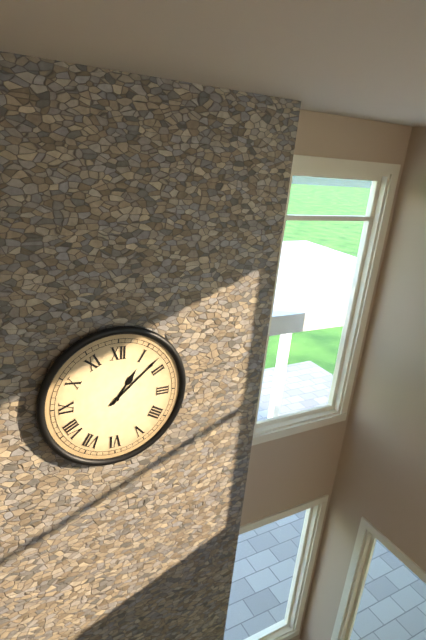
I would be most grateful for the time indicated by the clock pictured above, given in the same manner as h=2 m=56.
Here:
h=1 m=8
